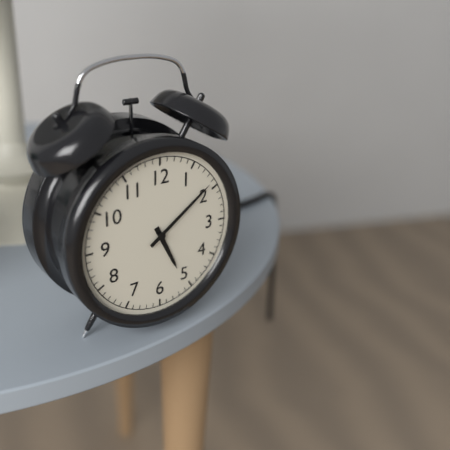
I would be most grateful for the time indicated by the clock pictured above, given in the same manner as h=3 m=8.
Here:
h=5 m=9
